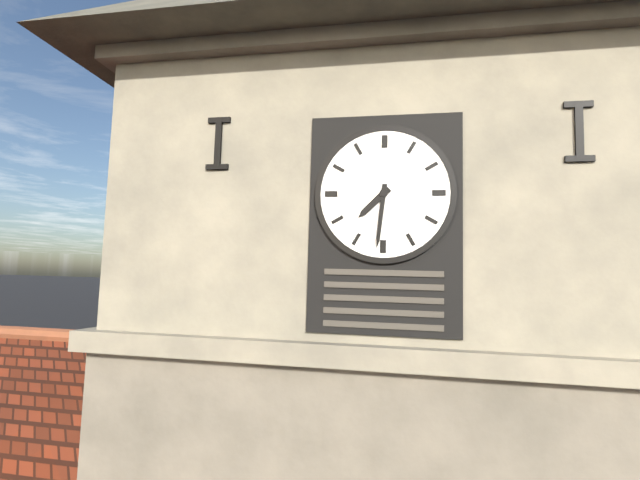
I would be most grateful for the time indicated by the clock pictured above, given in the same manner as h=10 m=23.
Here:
h=7 m=31
